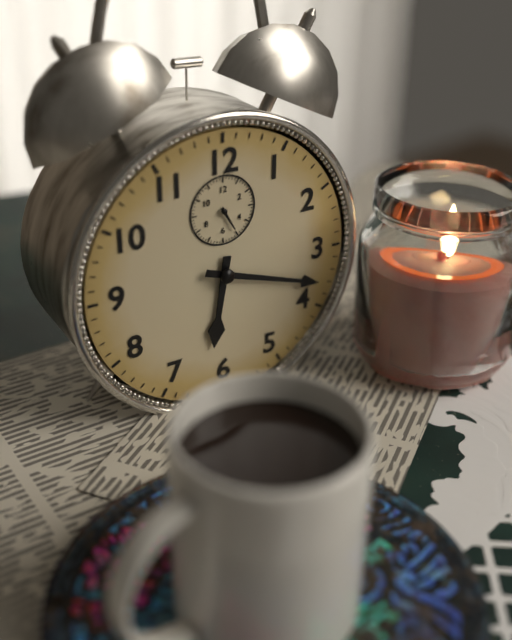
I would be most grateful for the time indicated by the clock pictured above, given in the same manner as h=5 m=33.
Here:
h=6 m=18
